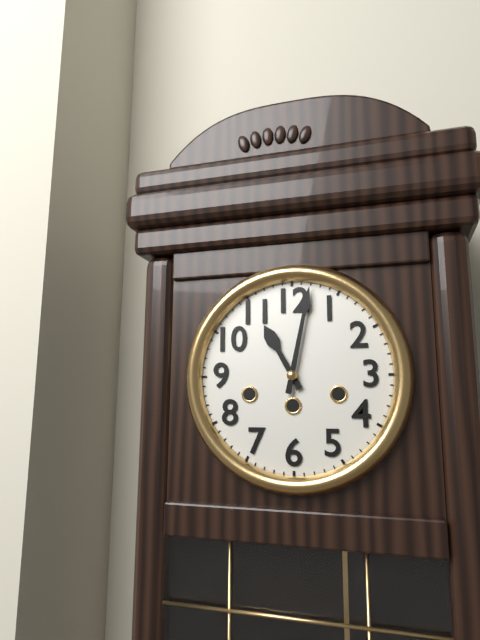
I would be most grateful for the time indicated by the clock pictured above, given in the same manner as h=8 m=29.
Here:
h=11 m=2
